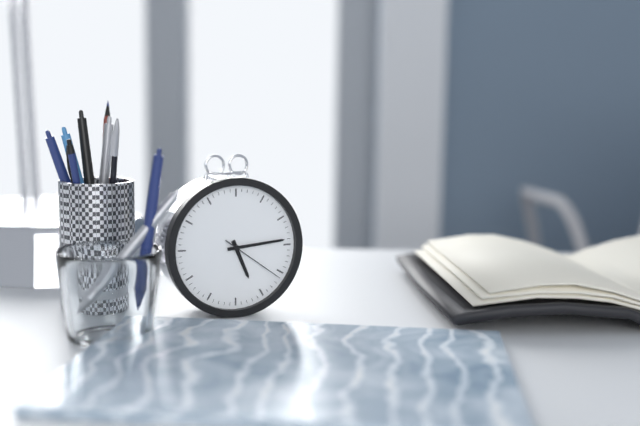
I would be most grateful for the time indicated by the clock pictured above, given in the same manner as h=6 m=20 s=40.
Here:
h=5 m=14 s=21
